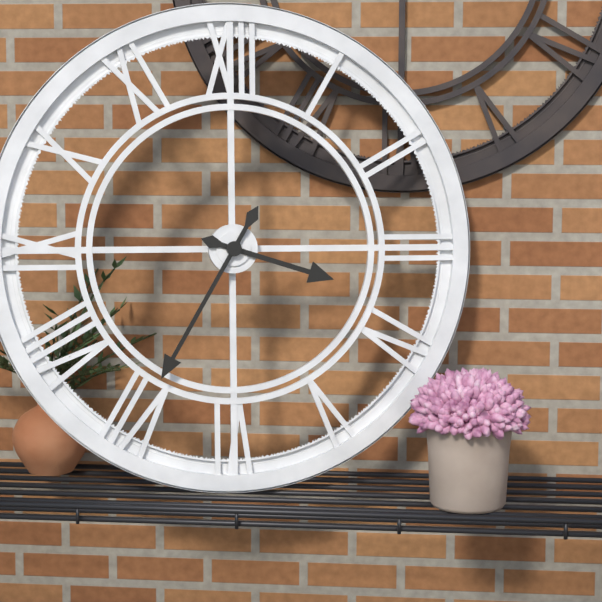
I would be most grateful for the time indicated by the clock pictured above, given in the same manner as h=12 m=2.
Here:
h=3 m=35
